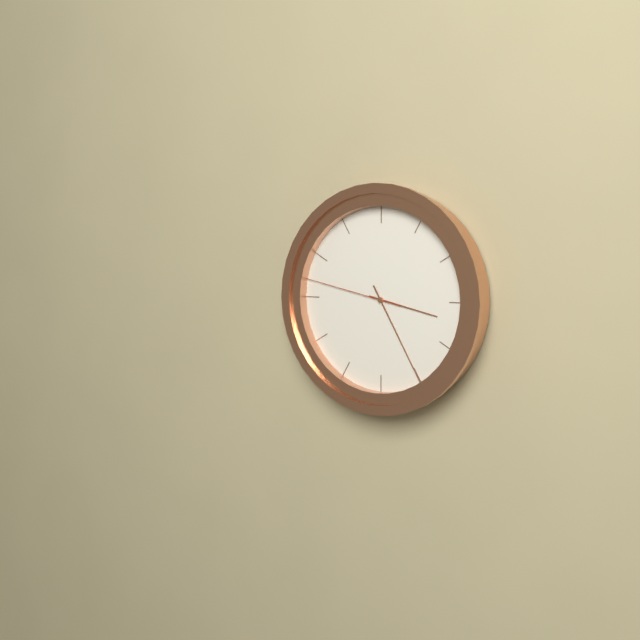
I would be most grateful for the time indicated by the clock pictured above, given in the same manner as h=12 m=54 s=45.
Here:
h=3 m=25 s=47
